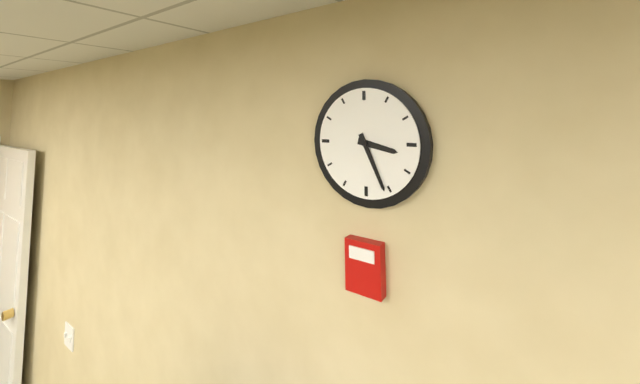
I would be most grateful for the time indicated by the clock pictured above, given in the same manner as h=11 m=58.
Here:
h=3 m=26
